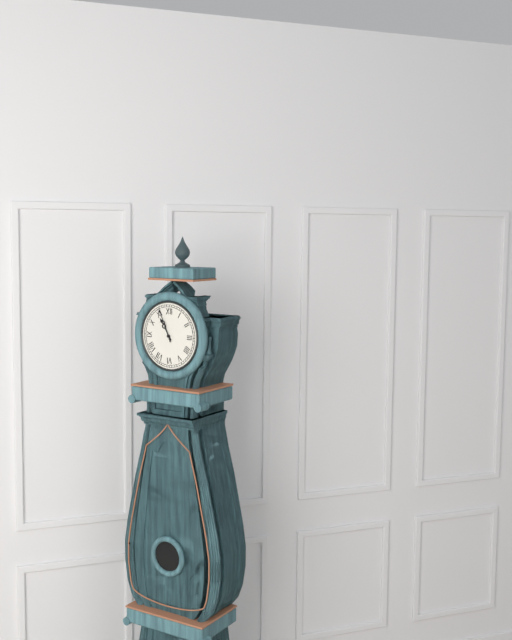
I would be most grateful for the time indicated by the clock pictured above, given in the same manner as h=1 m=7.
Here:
h=10 m=56
